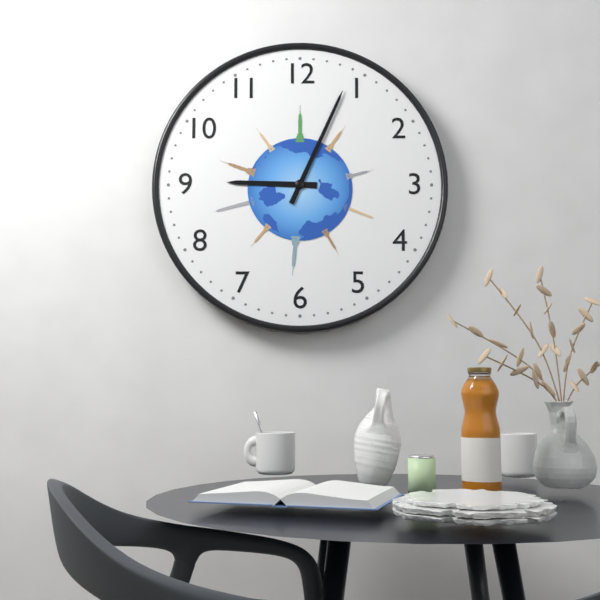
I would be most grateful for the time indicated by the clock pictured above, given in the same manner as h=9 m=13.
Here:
h=9 m=4
